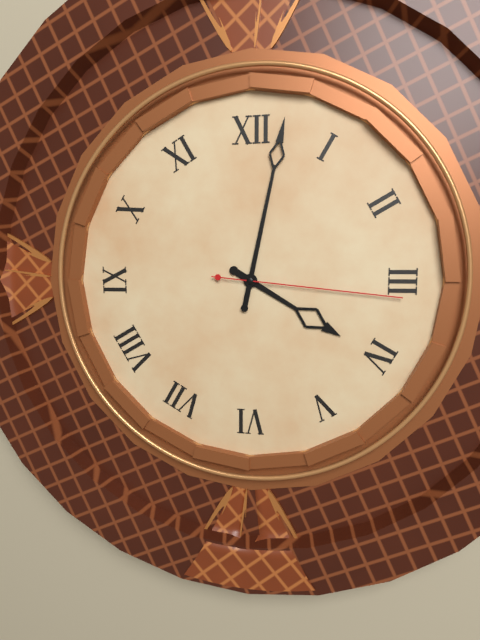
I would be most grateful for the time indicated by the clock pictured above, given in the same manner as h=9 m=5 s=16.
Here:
h=4 m=2 s=16
